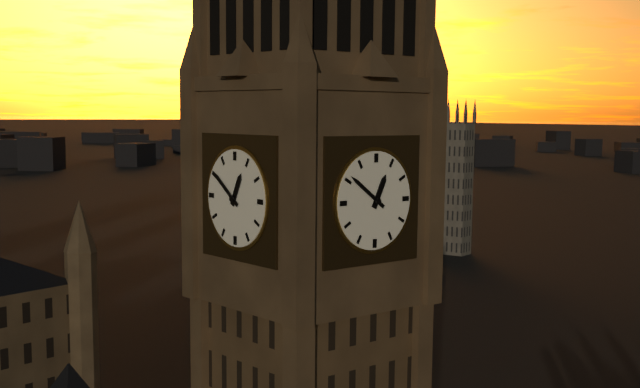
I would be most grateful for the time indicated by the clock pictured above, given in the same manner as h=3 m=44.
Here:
h=12 m=51
